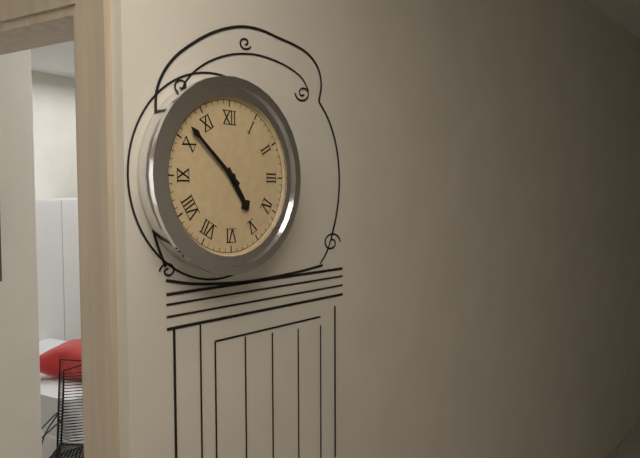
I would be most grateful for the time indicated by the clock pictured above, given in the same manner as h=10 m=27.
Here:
h=4 m=52
